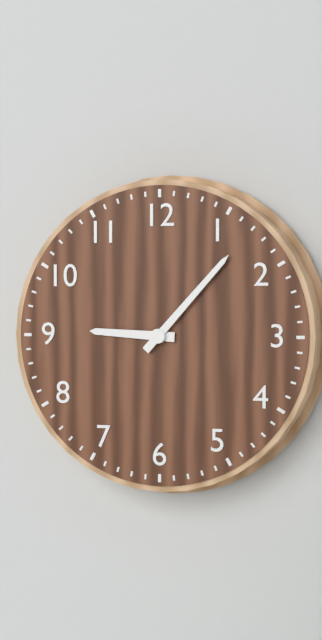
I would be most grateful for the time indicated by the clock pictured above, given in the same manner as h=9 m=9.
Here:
h=9 m=7
